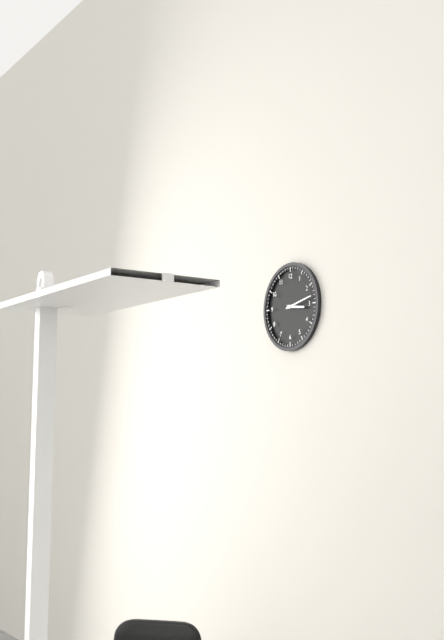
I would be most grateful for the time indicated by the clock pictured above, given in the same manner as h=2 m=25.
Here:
h=3 m=13
